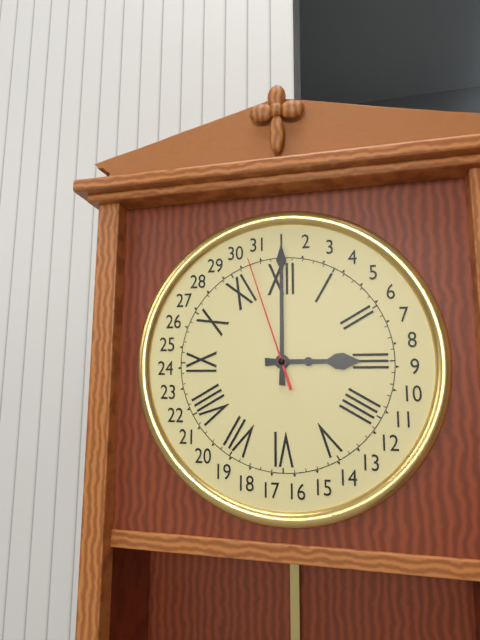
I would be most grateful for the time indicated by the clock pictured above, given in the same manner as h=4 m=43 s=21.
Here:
h=3 m=0 s=57
